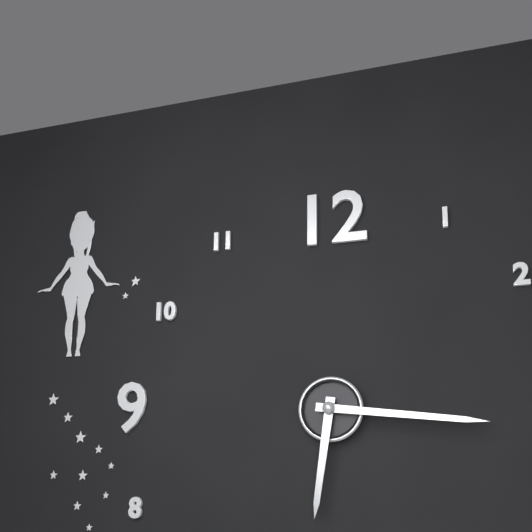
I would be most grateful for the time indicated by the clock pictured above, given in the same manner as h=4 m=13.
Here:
h=6 m=16
